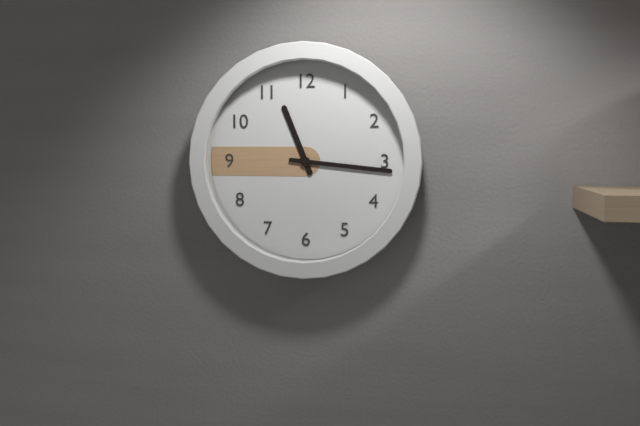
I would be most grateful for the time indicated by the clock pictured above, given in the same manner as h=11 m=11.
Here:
h=11 m=16
